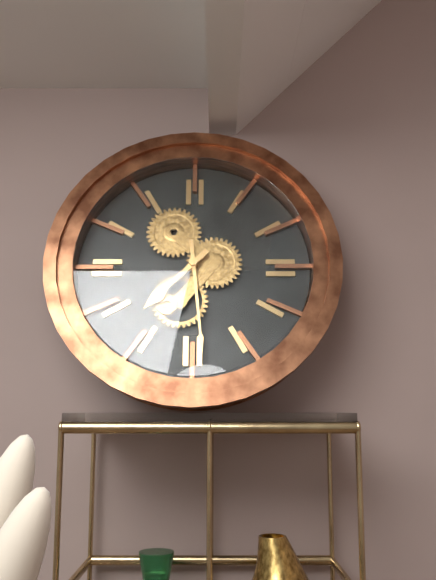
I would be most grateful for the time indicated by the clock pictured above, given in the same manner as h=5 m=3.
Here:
h=7 m=29
